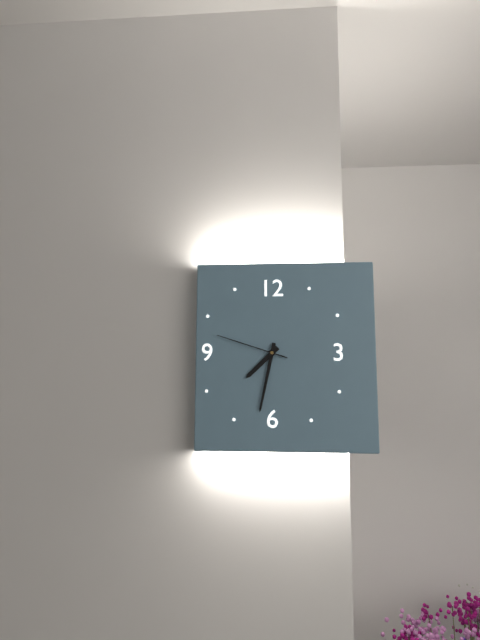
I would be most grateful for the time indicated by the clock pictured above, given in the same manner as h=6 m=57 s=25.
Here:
h=7 m=32 s=48
